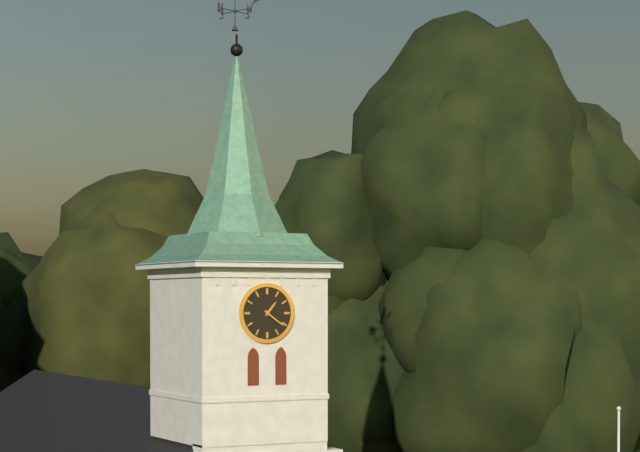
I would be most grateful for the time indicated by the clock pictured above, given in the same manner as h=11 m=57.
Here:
h=1 m=21
